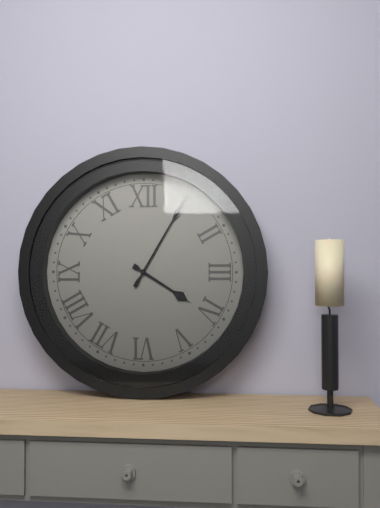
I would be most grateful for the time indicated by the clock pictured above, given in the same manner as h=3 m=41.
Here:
h=4 m=5
